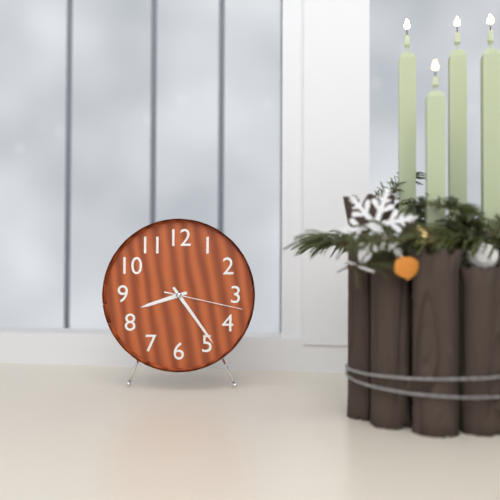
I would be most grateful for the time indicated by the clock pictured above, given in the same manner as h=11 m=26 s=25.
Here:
h=8 m=24 s=17
